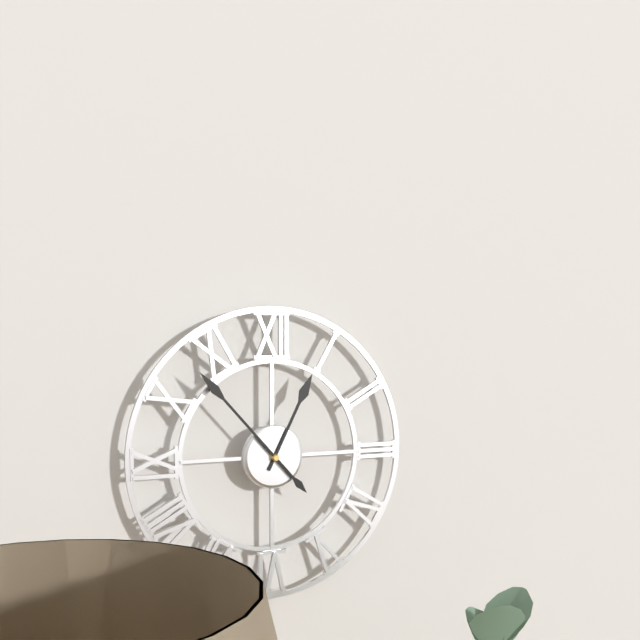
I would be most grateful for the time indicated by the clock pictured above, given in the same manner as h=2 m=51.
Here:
h=12 m=53
